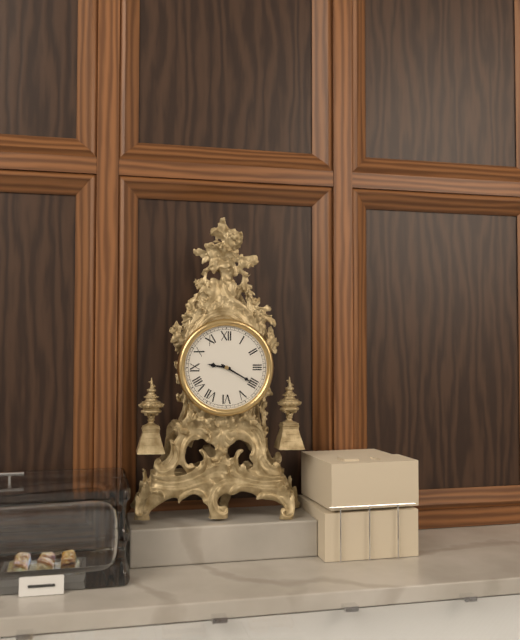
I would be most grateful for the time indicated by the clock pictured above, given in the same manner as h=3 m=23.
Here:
h=9 m=20
